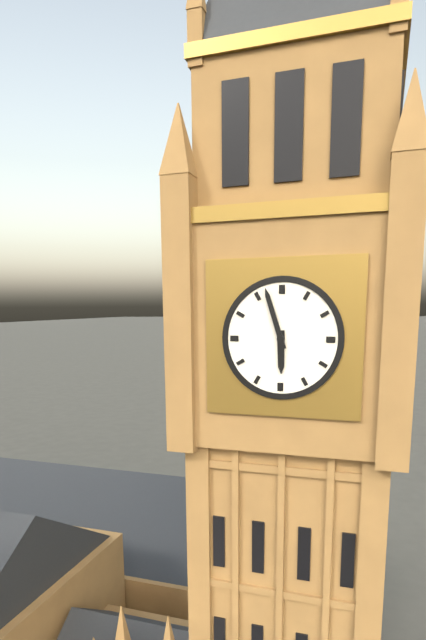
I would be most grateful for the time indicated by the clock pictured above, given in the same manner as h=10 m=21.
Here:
h=5 m=57
